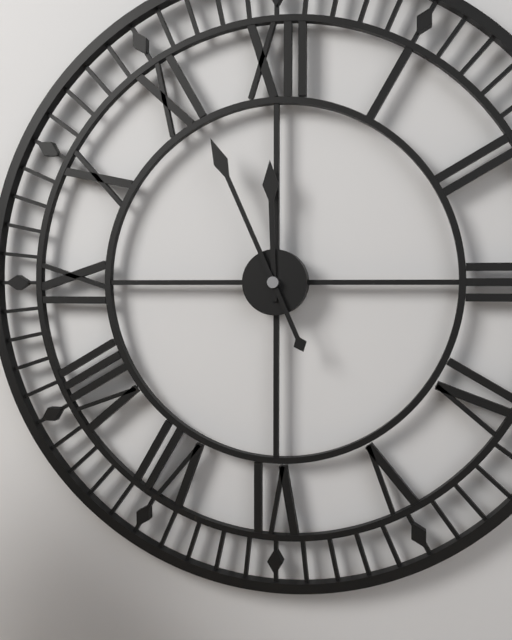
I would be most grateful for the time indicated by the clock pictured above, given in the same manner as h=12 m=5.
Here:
h=11 m=56
